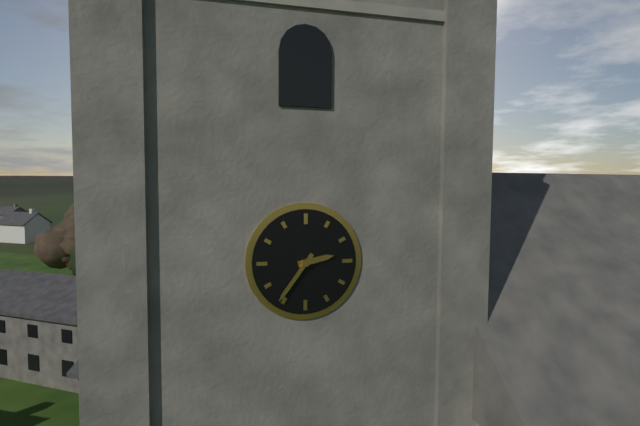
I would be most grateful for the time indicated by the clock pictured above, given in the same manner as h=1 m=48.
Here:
h=2 m=36
